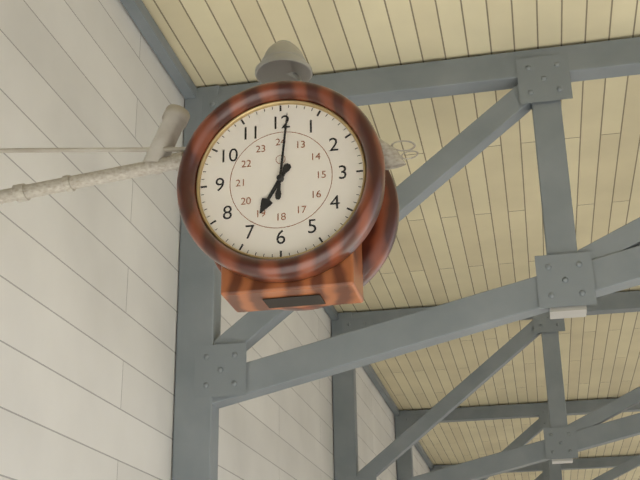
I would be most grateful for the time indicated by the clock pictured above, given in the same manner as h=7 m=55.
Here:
h=7 m=1
